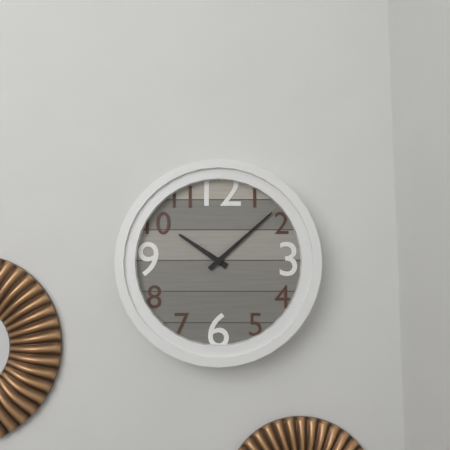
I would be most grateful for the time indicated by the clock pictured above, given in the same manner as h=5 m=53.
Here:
h=10 m=8
